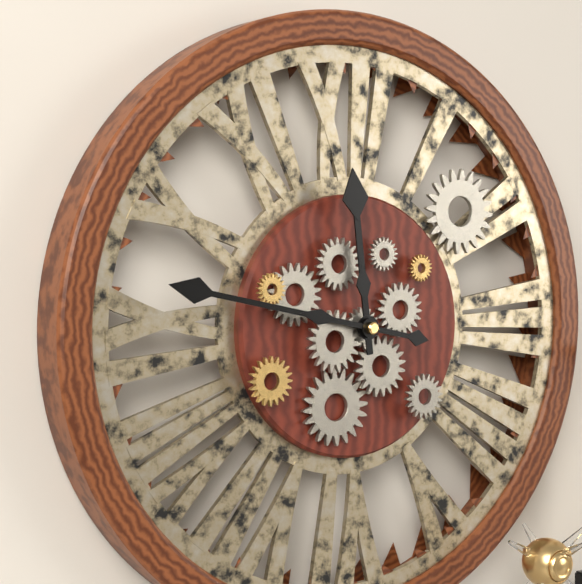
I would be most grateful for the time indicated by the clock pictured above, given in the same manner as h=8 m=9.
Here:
h=11 m=47
